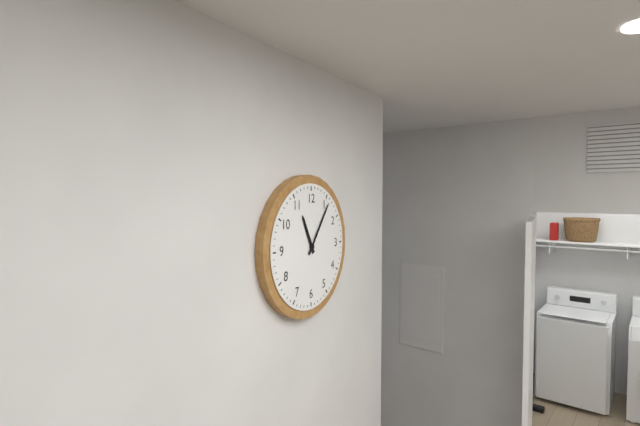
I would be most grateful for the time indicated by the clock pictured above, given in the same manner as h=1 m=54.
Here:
h=11 m=6
